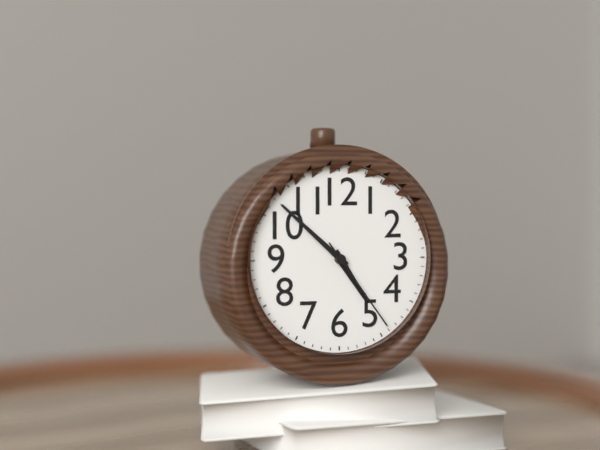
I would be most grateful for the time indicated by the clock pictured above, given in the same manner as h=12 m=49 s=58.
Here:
h=4 m=52 s=24
